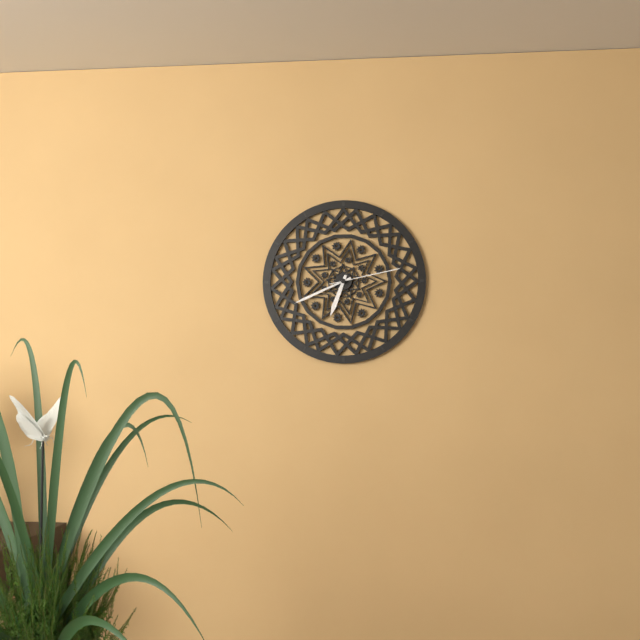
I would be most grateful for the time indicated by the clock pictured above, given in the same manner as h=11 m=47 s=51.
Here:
h=6 m=41 s=13
